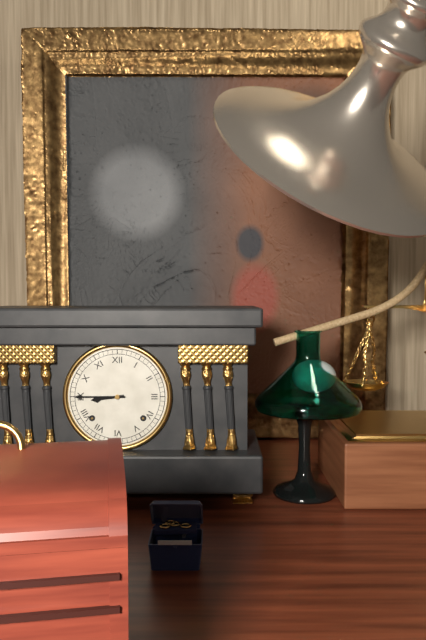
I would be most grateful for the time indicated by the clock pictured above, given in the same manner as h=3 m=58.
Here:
h=8 m=45
